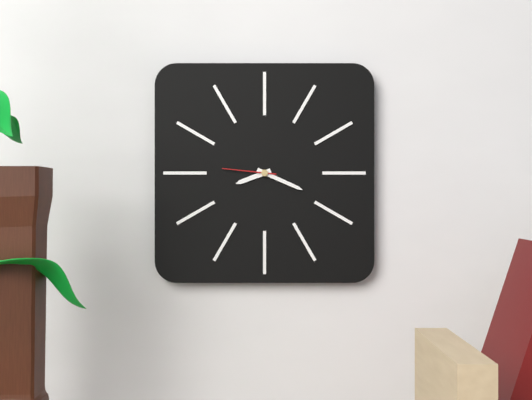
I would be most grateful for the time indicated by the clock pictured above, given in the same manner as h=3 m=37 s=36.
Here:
h=8 m=19 s=46
